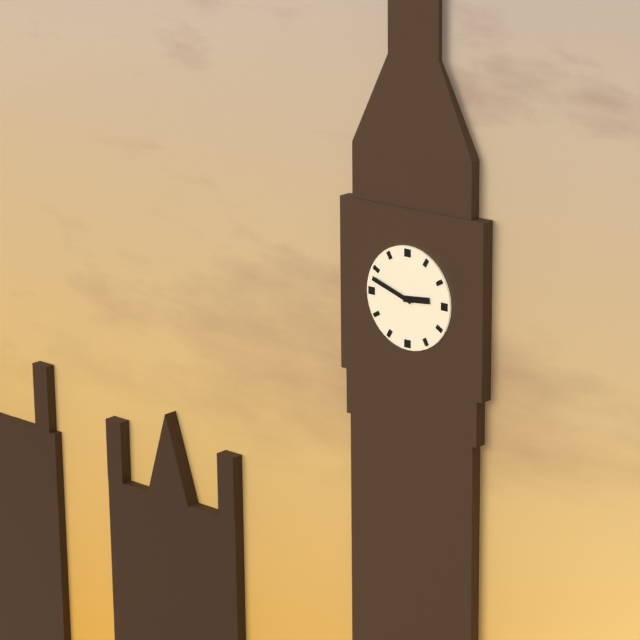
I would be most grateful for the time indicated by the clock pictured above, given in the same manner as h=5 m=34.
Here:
h=2 m=48
